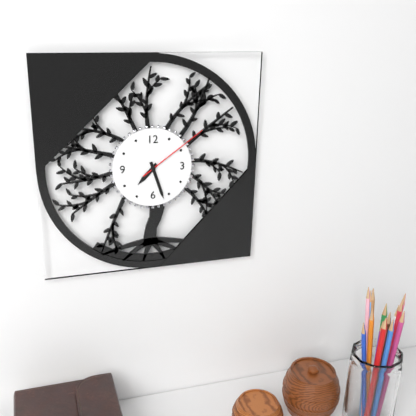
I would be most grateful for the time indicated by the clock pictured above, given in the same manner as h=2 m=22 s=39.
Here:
h=7 m=27 s=9
